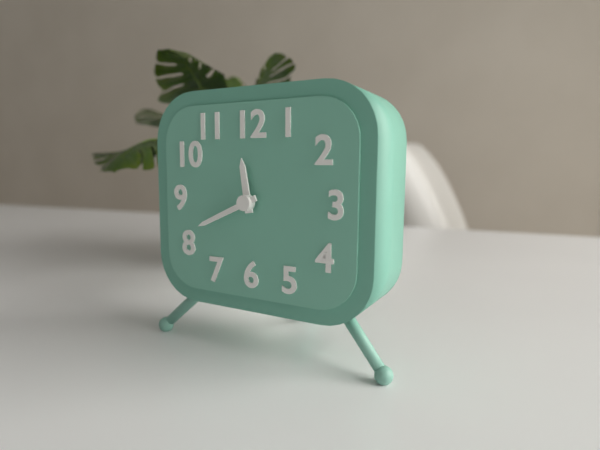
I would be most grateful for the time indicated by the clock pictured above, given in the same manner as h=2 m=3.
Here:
h=11 m=41
